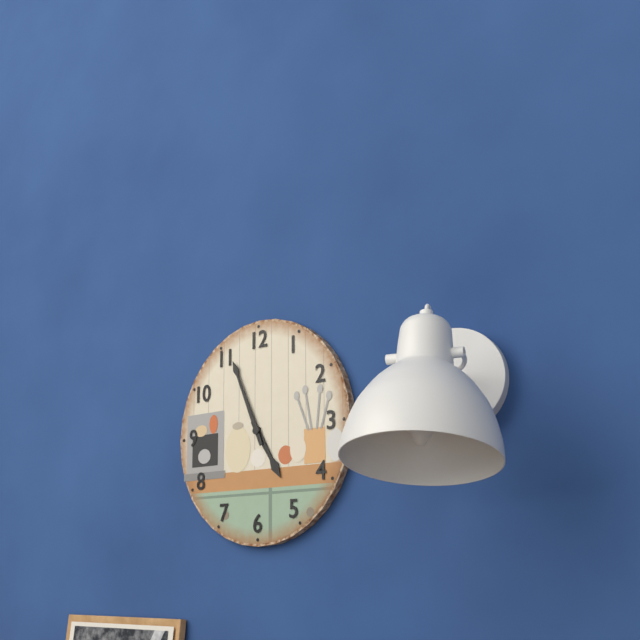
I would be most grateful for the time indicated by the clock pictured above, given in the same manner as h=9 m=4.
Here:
h=4 m=56
